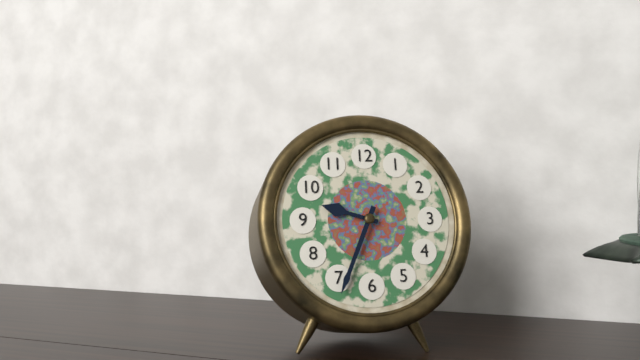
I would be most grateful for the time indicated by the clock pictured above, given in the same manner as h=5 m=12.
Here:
h=9 m=34
